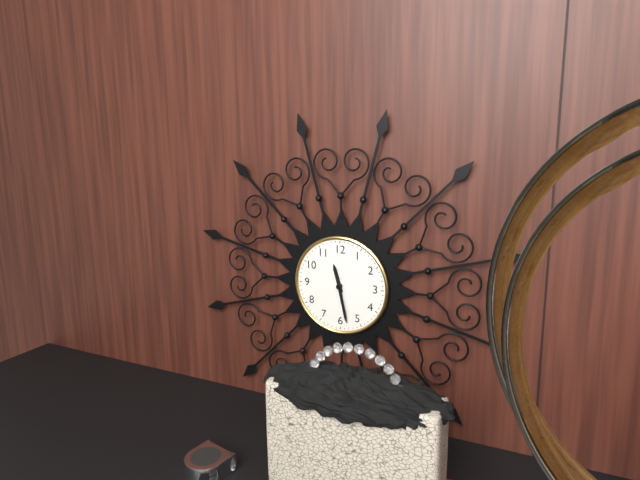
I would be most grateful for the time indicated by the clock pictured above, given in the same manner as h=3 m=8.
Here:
h=11 m=28
